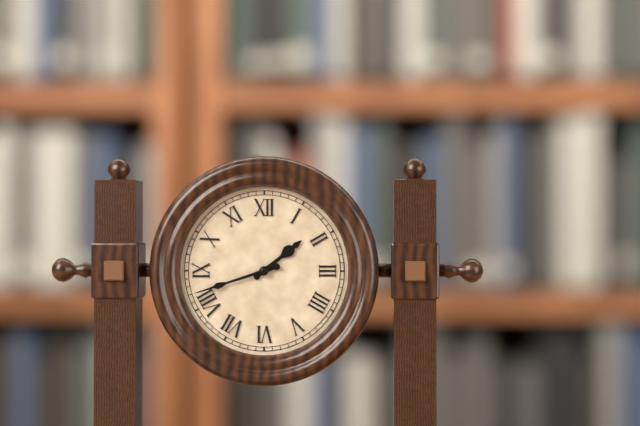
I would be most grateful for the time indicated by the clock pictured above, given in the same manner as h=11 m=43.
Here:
h=1 m=42
